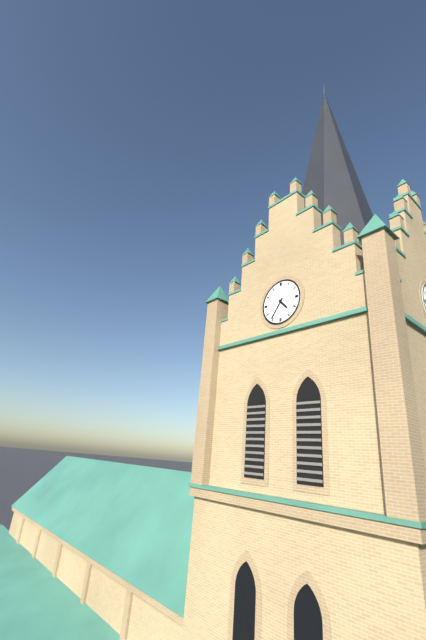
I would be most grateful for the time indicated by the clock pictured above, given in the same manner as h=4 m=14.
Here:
h=4 m=36
